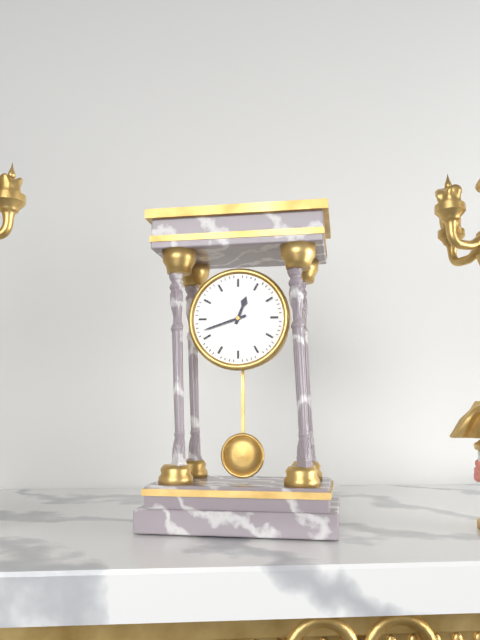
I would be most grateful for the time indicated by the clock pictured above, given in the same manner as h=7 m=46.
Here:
h=12 m=42
